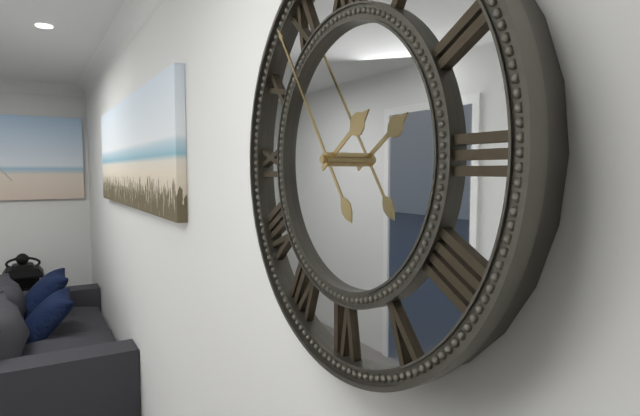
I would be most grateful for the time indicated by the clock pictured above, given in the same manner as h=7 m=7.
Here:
h=1 m=54
